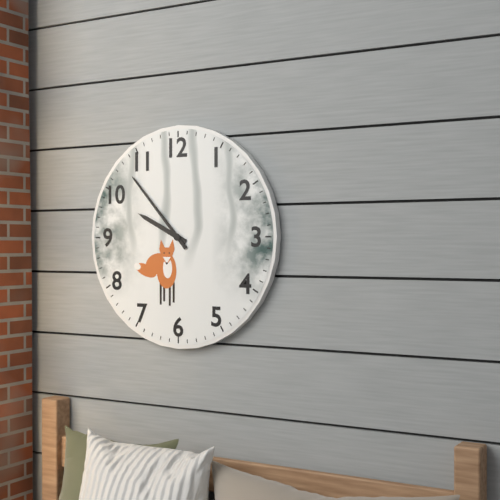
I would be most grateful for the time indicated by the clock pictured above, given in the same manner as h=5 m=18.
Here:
h=9 m=53
